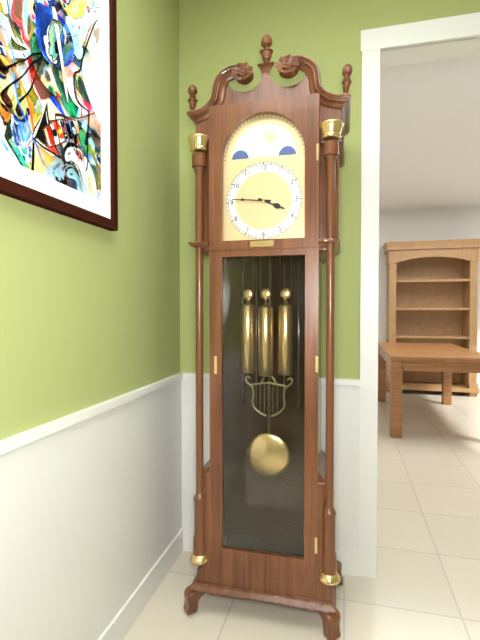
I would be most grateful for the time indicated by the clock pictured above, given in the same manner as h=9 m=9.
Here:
h=3 m=46
